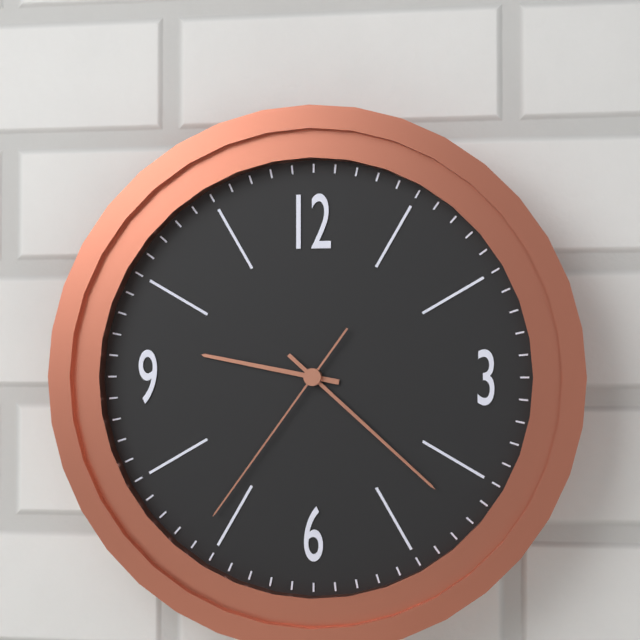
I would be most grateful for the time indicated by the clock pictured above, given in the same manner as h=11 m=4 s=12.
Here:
h=9 m=22 s=36
